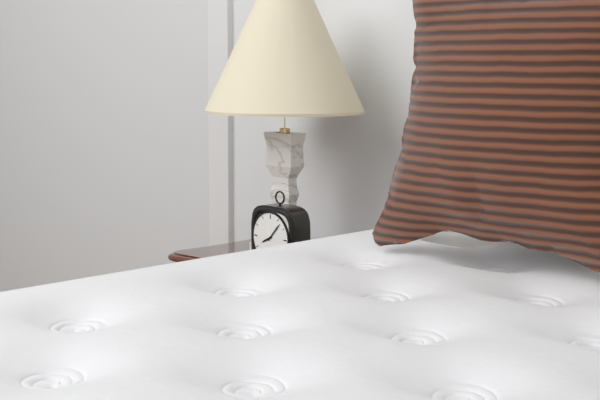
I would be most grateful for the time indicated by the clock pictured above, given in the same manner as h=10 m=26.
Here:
h=8 m=7
